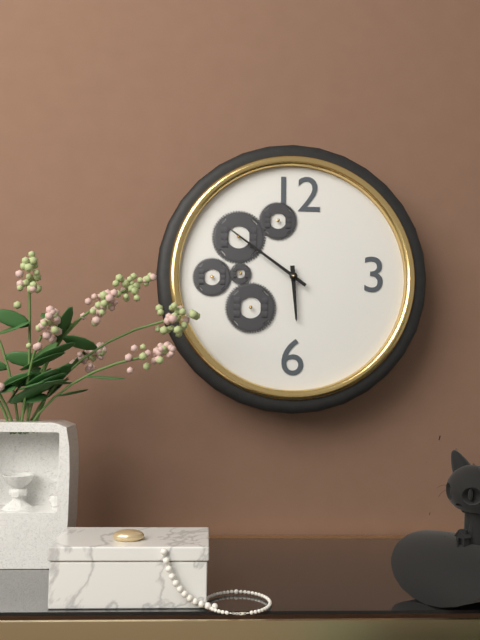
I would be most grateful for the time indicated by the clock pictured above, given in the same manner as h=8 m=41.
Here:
h=5 m=51
